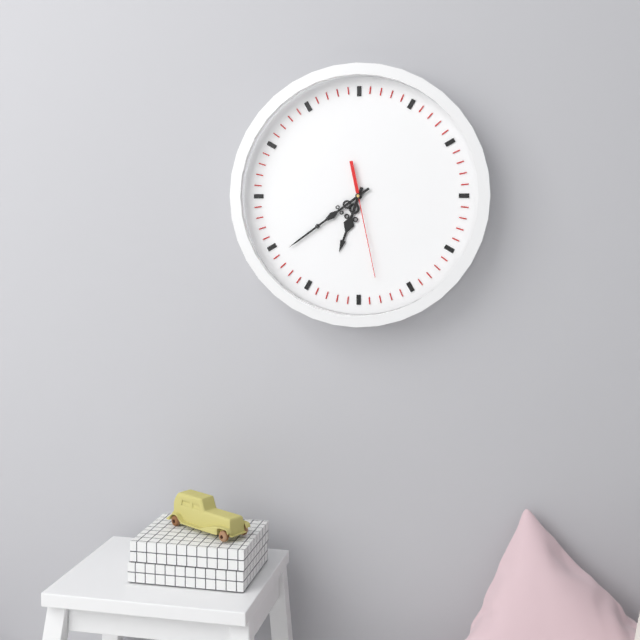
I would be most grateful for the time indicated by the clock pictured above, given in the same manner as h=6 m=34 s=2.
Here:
h=6 m=39 s=28
